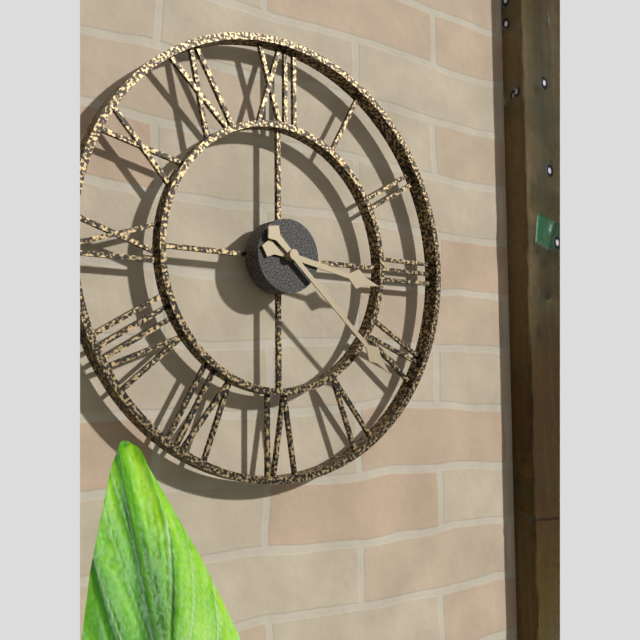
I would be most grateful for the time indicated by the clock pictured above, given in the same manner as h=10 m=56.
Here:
h=3 m=22
